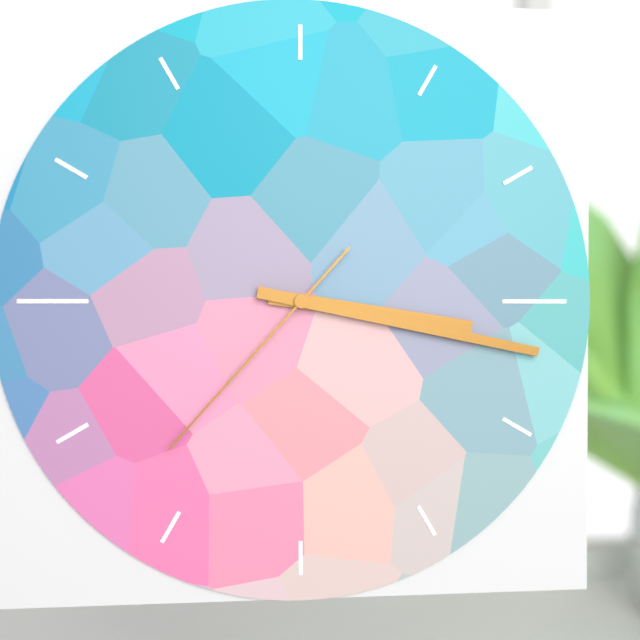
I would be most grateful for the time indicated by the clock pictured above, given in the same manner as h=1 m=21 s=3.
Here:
h=3 m=17 s=37
